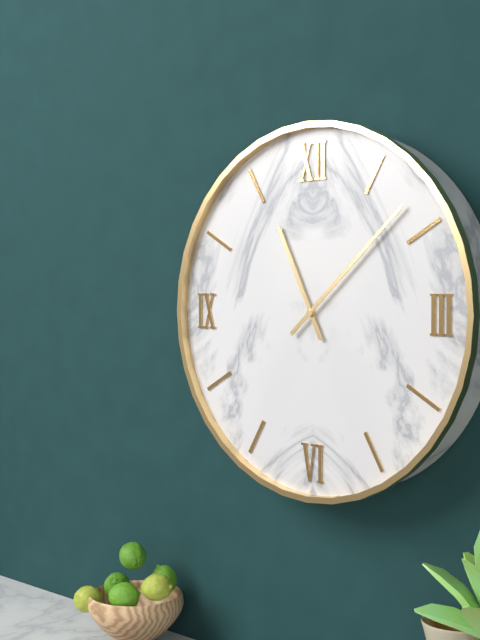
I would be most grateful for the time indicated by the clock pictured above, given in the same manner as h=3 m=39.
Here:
h=11 m=8
